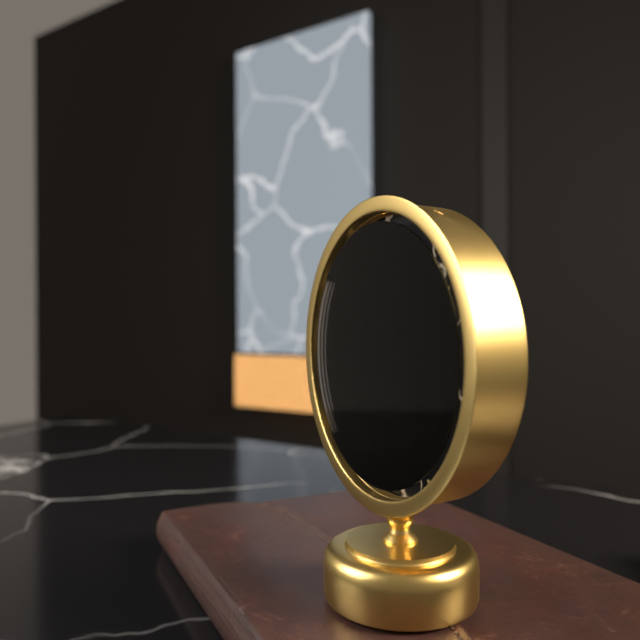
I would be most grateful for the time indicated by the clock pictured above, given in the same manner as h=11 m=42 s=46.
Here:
h=1 m=13 s=43
